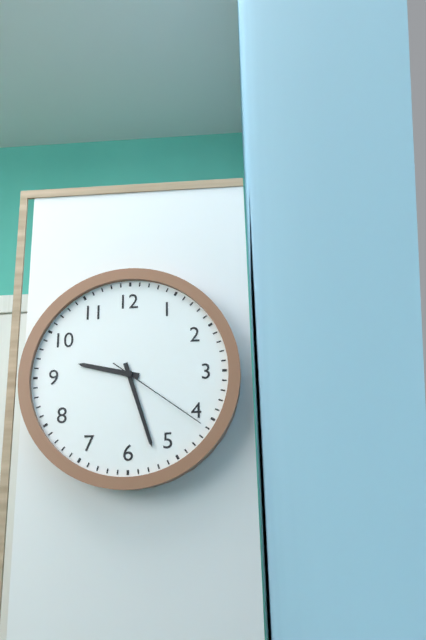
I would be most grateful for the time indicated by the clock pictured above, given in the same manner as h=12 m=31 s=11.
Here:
h=9 m=27 s=21
